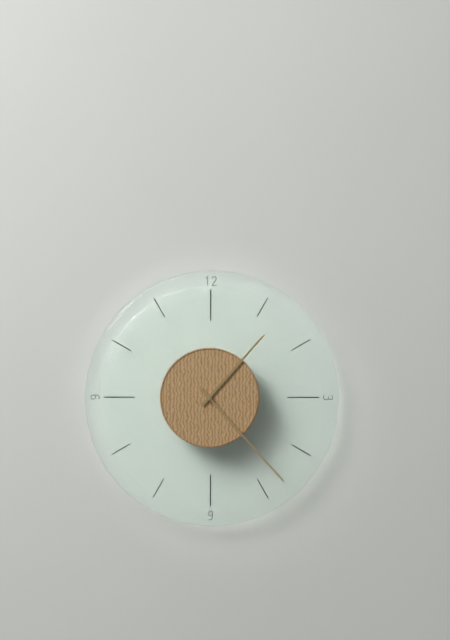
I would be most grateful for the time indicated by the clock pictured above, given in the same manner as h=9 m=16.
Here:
h=1 m=23
